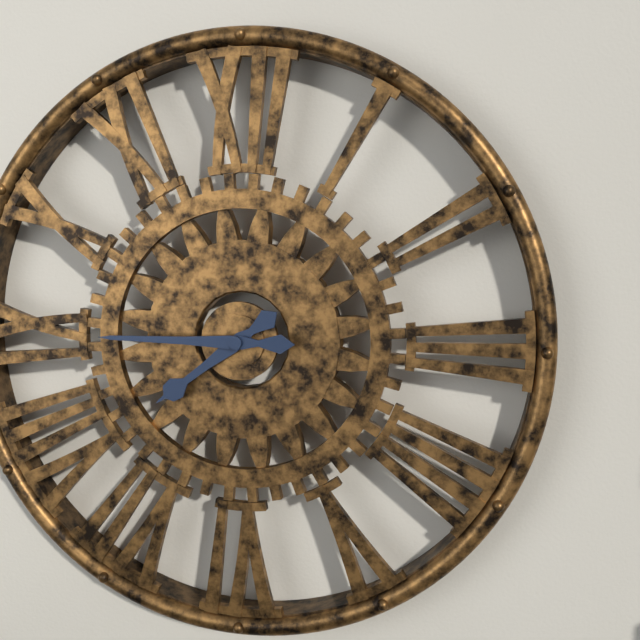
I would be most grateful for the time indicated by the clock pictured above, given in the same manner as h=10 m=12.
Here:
h=7 m=45
